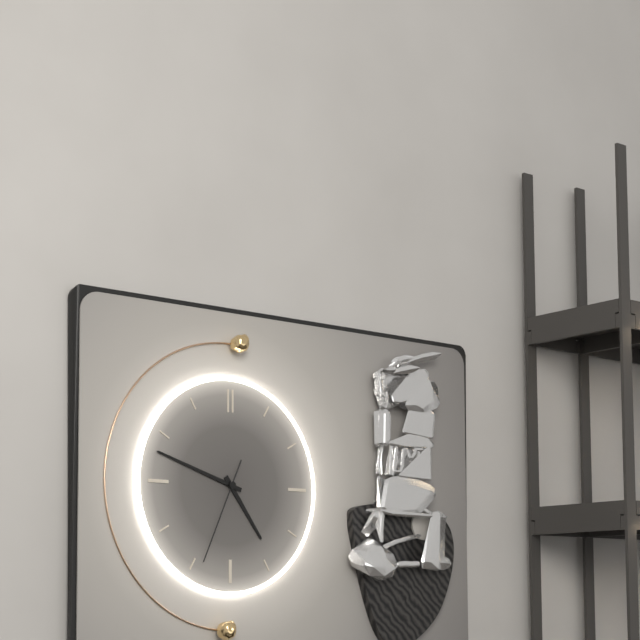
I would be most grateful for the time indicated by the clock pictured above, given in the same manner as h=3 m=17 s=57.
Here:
h=4 m=48 s=34
